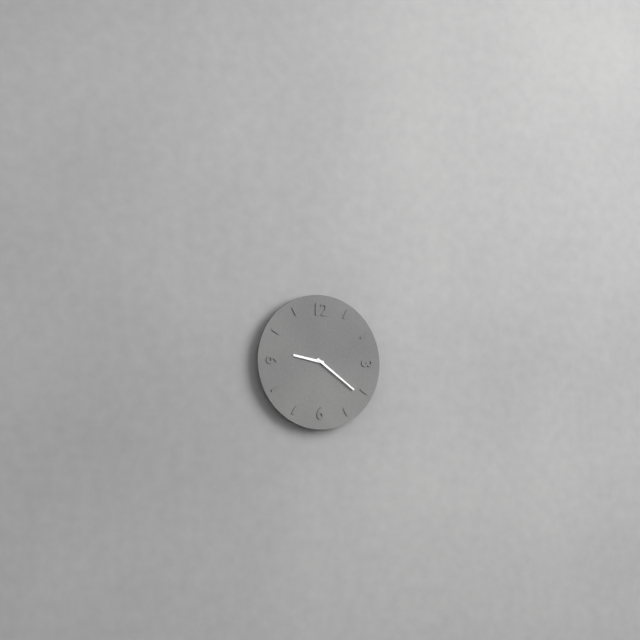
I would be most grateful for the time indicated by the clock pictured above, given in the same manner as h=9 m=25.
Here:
h=9 m=21
